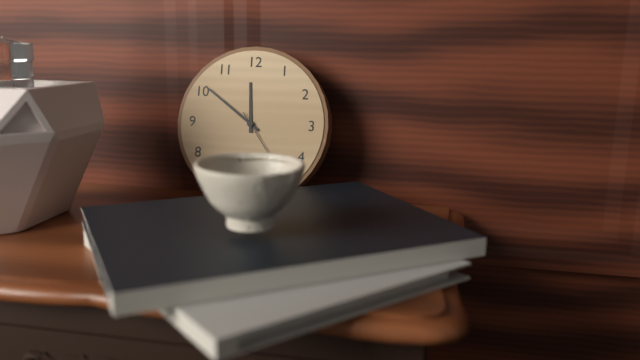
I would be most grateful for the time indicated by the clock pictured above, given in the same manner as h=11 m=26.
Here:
h=11 m=51
